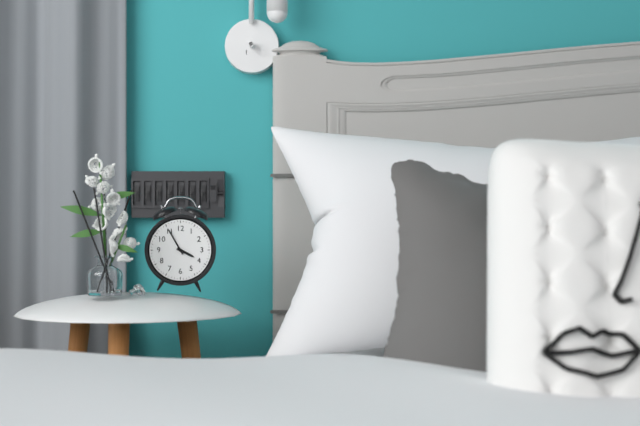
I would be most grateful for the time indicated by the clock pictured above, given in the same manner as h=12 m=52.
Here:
h=3 m=55
